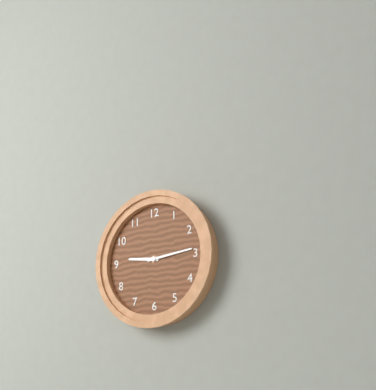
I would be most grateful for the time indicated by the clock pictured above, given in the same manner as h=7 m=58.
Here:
h=9 m=14
